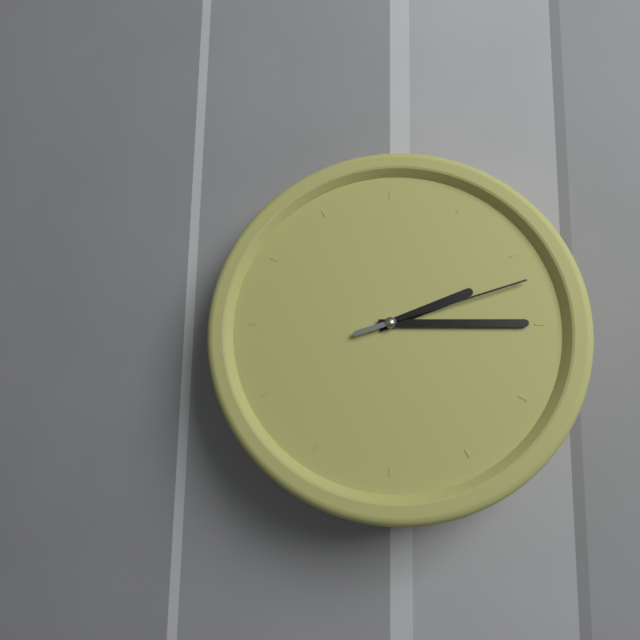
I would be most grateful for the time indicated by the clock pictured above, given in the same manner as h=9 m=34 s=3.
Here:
h=2 m=15 s=12
